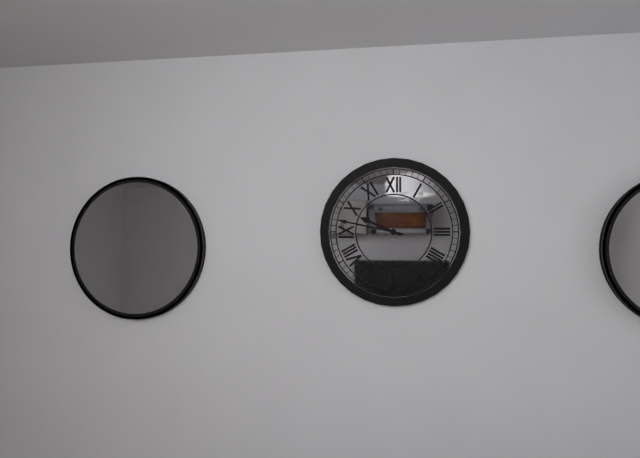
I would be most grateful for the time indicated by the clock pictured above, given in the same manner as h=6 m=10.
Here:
h=9 m=47
